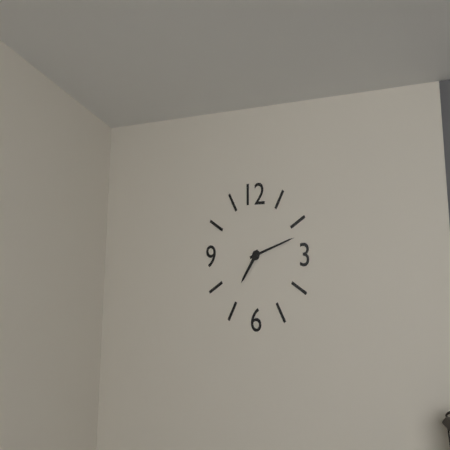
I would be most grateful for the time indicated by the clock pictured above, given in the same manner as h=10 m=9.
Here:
h=7 m=12
